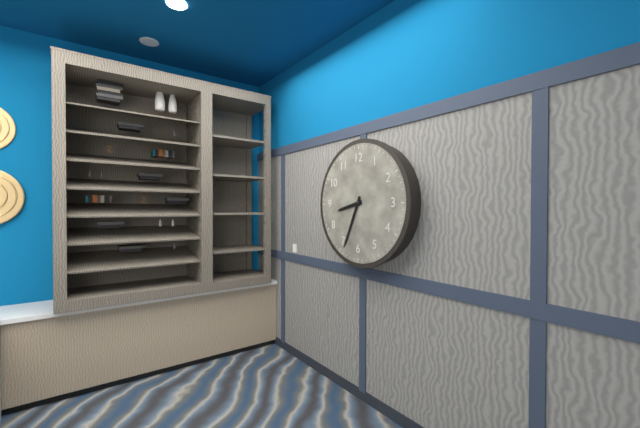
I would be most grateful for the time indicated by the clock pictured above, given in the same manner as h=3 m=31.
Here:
h=8 m=34
